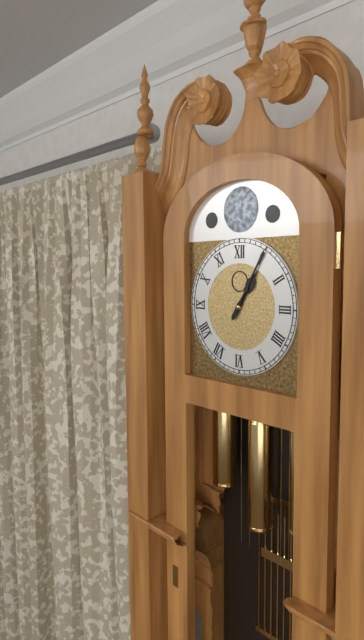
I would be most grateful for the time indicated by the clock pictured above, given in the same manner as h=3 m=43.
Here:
h=1 m=5
